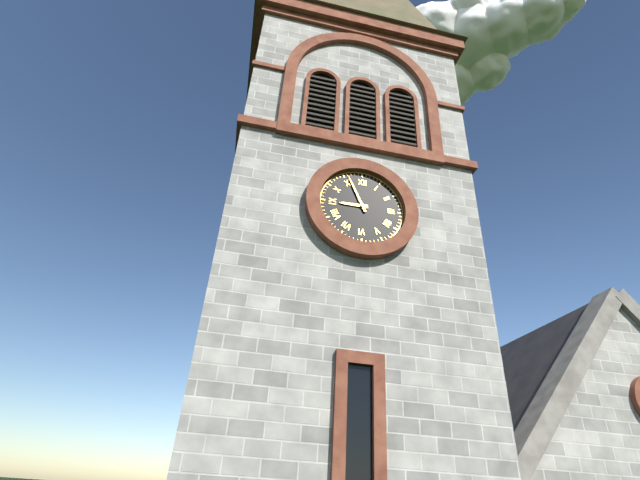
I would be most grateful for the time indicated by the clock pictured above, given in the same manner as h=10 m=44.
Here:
h=8 m=56
